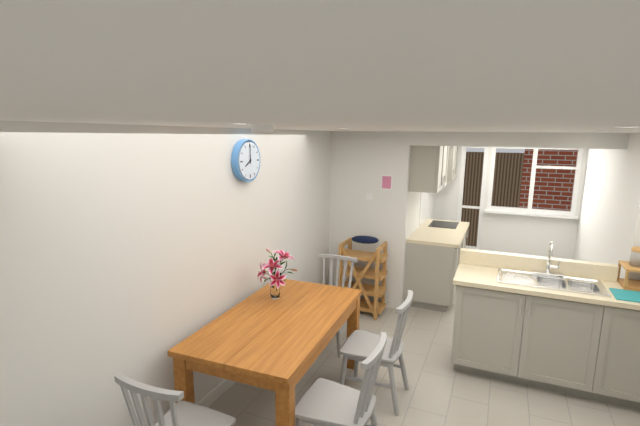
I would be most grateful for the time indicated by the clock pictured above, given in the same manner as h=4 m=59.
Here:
h=8 m=0
